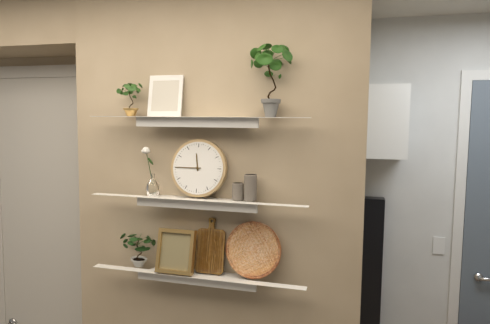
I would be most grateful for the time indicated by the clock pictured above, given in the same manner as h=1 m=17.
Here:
h=11 m=45
